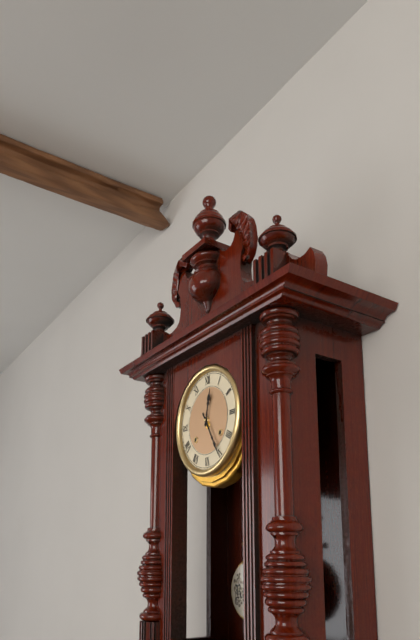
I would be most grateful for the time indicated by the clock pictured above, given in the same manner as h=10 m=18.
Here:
h=12 m=25
